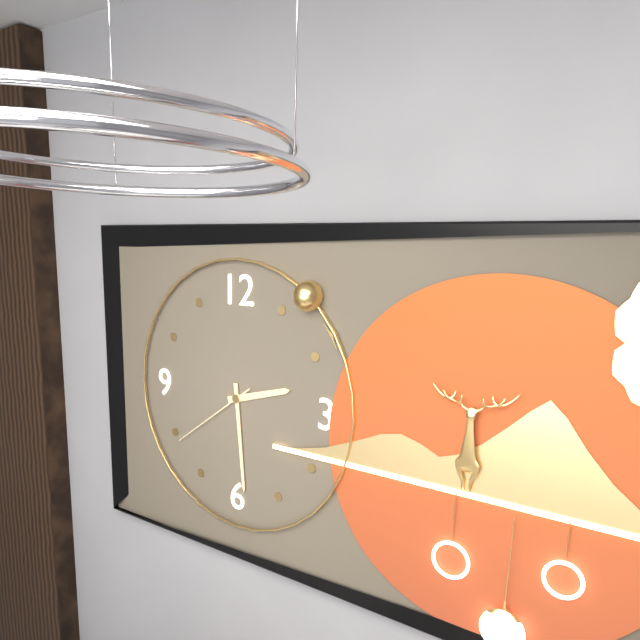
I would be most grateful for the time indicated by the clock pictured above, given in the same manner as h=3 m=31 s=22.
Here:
h=2 m=29 s=39
